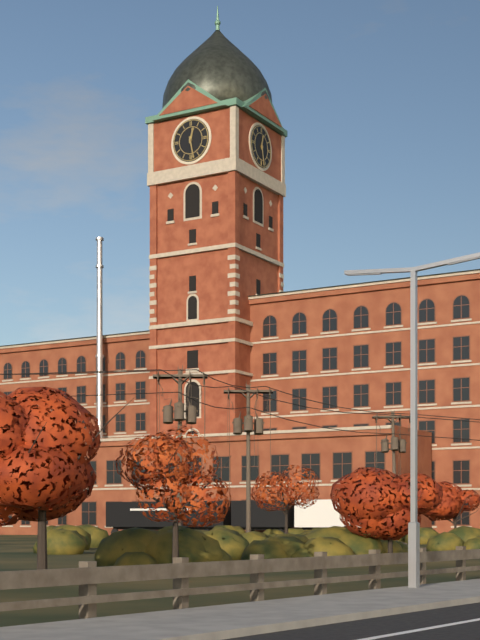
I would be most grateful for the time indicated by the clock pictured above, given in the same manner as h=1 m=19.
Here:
h=12 m=28
